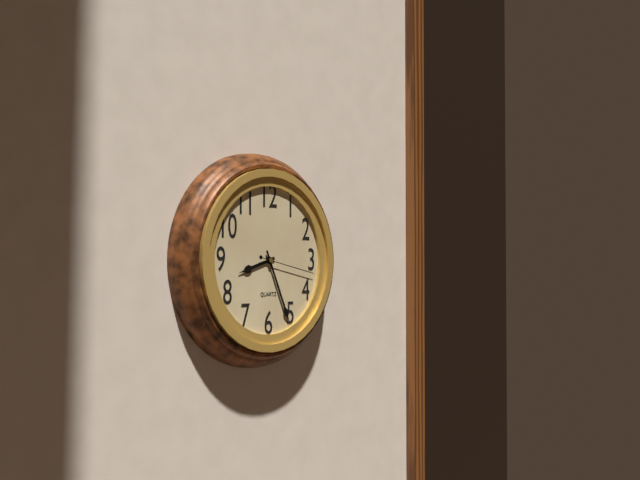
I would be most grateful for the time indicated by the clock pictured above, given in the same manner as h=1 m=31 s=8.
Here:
h=8 m=26 s=17
